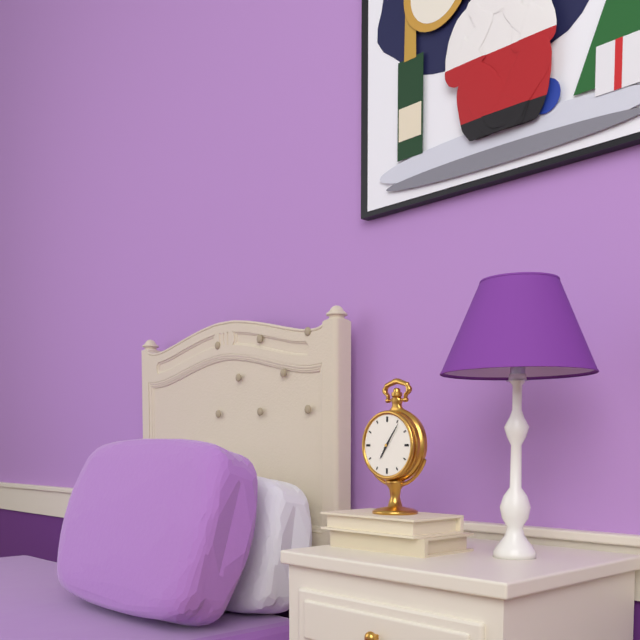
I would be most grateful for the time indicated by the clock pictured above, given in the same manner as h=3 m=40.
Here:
h=7 m=6
